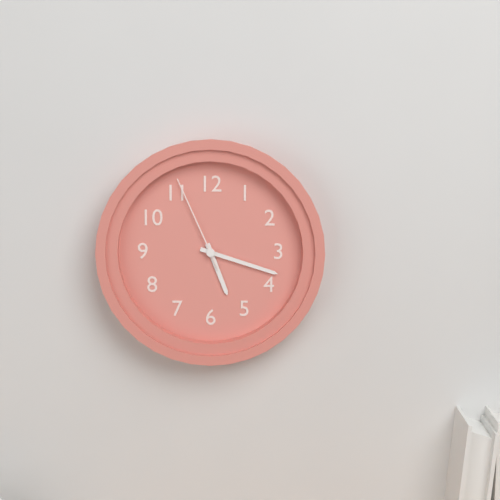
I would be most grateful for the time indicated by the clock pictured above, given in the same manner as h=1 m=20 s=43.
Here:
h=5 m=18 s=56
